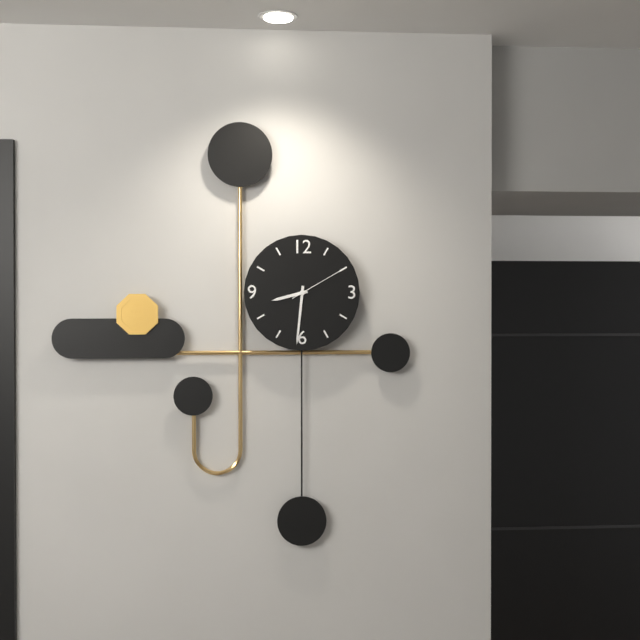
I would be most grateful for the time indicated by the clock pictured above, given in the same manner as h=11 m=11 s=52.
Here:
h=8 m=31 s=10
